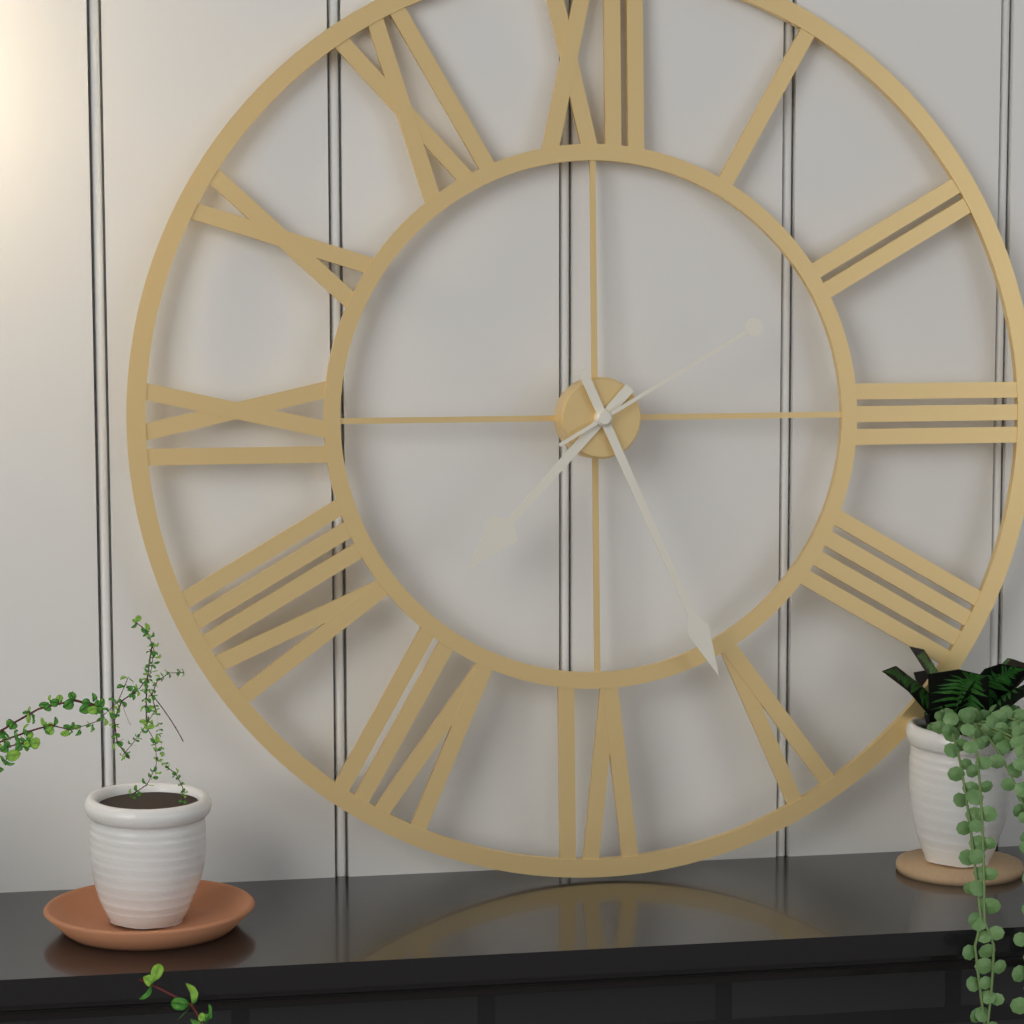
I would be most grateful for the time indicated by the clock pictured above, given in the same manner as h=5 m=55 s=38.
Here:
h=7 m=26 s=10
